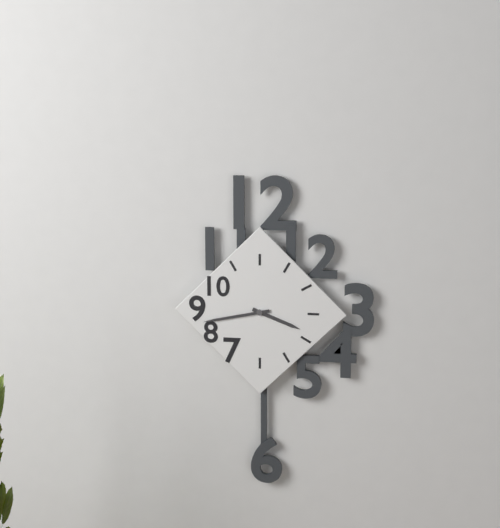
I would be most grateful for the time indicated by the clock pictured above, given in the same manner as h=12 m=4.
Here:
h=3 m=43
